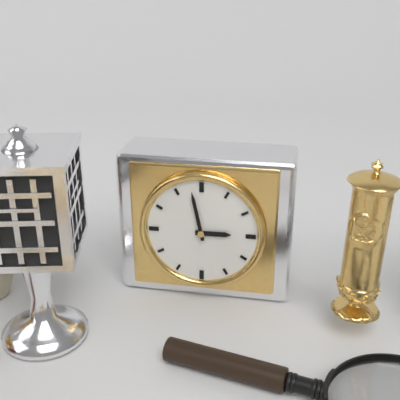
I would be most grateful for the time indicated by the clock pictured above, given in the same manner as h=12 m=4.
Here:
h=2 m=58
